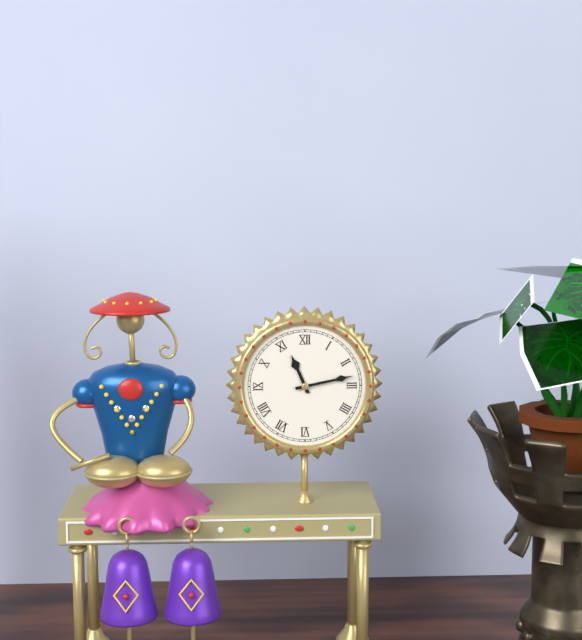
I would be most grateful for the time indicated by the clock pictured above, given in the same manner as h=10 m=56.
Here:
h=11 m=13
